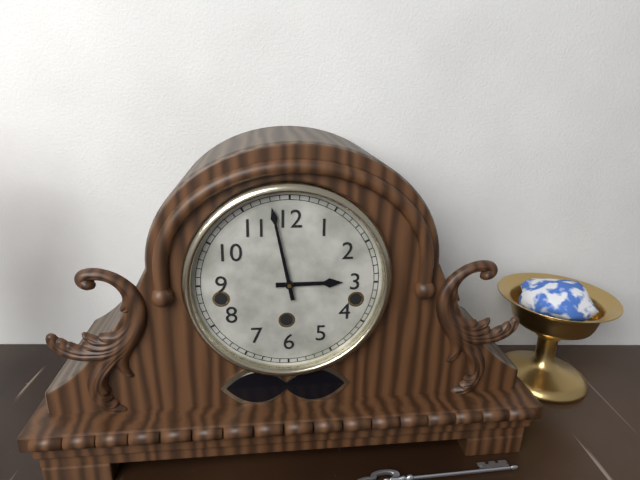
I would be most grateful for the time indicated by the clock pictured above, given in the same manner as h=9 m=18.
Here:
h=2 m=58
